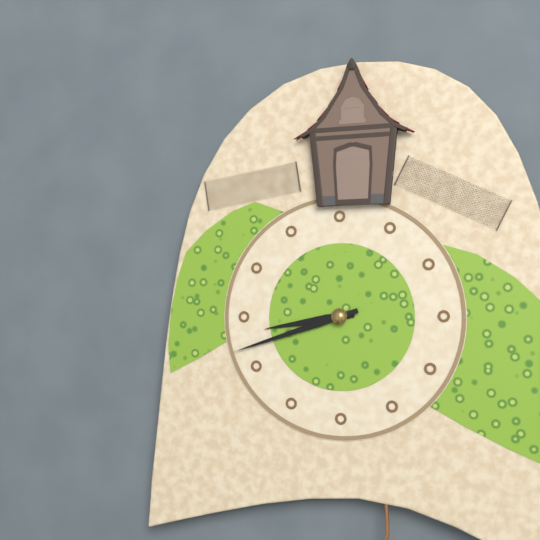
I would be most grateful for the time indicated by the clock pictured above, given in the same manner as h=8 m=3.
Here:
h=8 m=42
